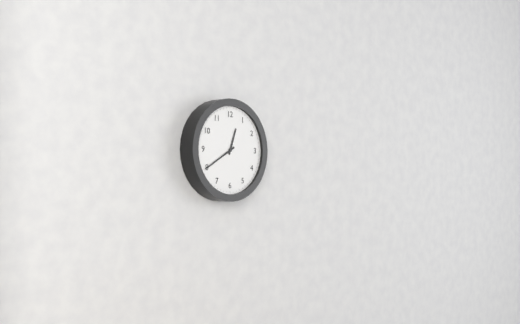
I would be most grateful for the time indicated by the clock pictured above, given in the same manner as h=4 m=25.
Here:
h=12 m=40
